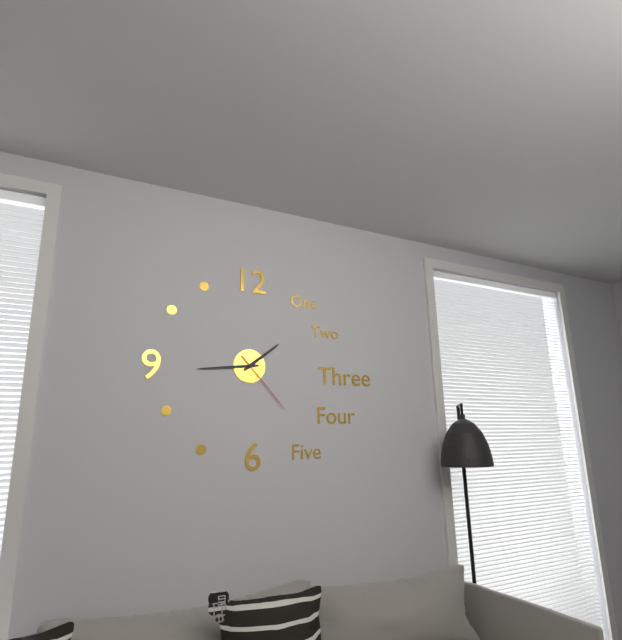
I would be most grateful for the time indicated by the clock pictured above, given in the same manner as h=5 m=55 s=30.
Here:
h=1 m=44 s=23
